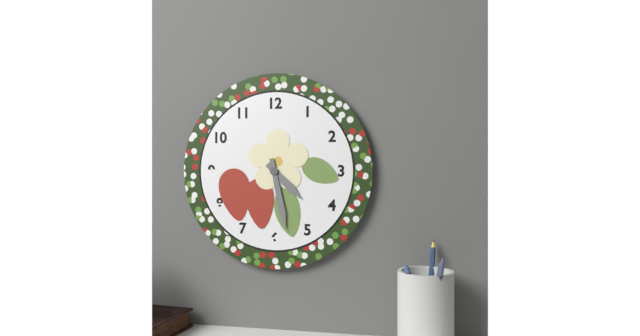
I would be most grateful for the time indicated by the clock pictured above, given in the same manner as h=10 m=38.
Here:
h=4 m=28
